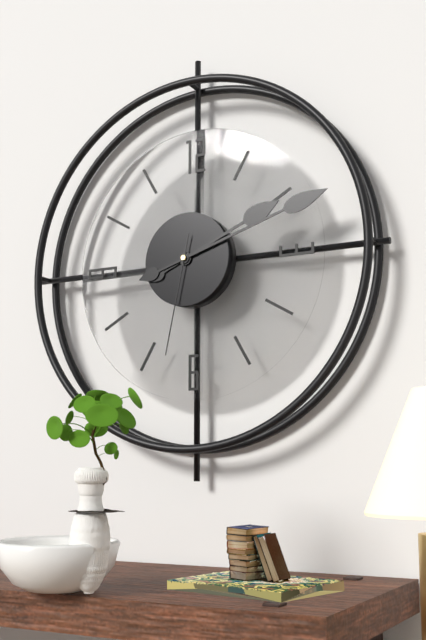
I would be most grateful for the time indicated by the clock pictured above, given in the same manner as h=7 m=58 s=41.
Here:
h=2 m=12 s=32
